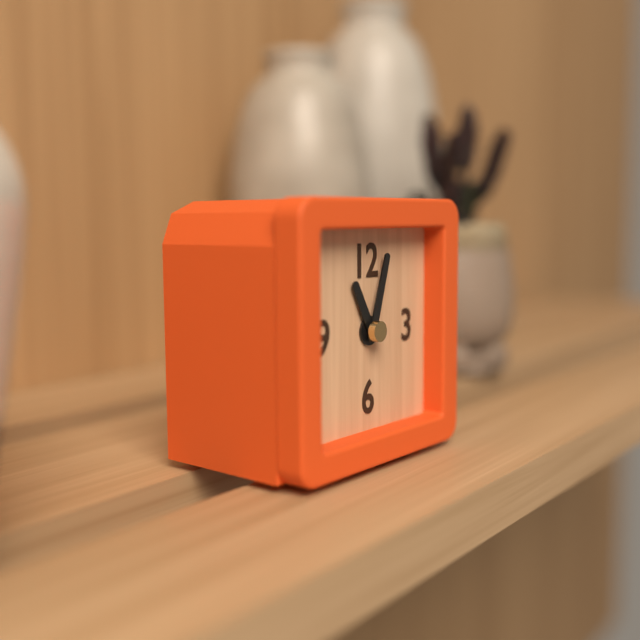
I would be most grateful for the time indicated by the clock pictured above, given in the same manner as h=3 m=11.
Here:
h=11 m=3
